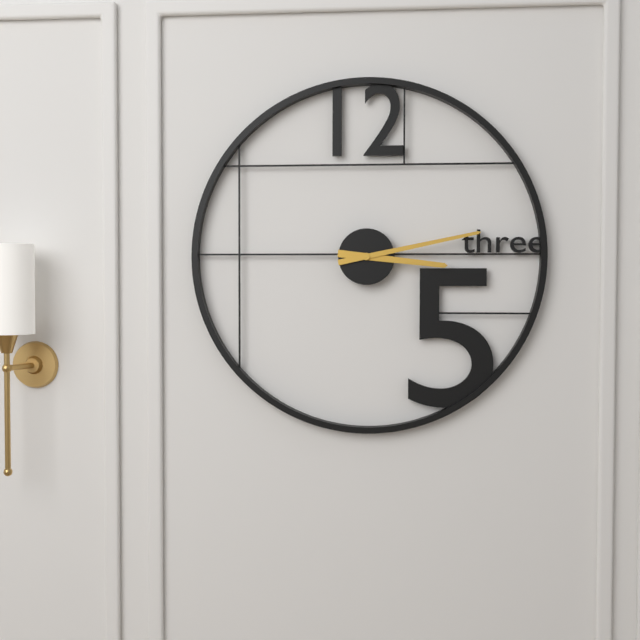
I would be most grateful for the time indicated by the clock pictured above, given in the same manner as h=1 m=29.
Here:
h=3 m=13
